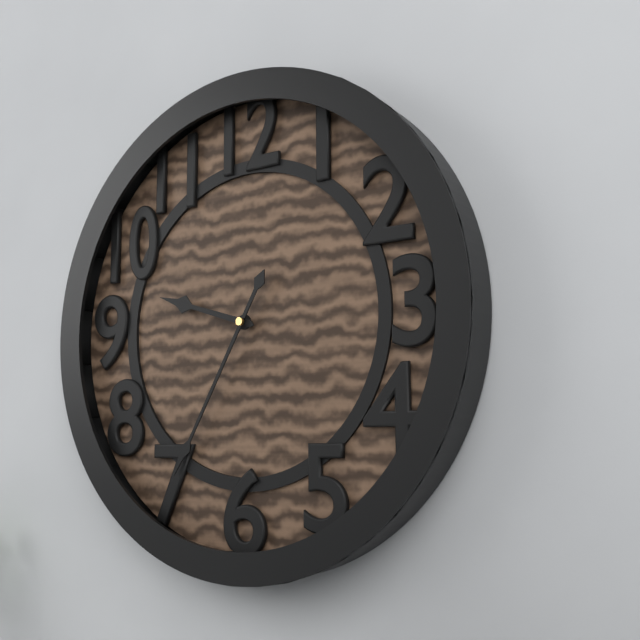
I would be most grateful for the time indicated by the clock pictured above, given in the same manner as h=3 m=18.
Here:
h=9 m=35
